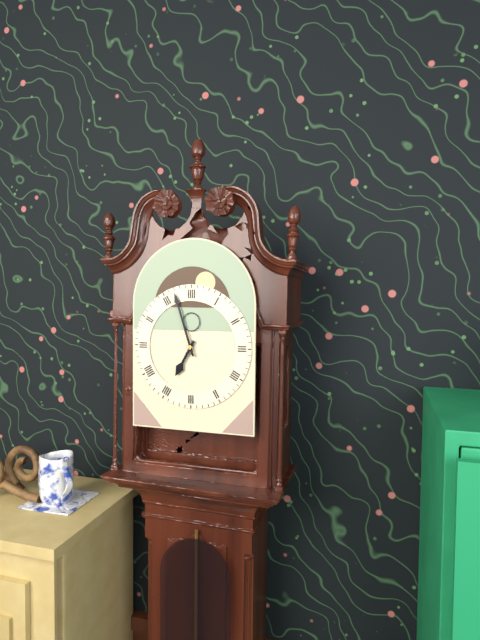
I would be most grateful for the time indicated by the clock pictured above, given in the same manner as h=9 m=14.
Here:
h=6 m=57
